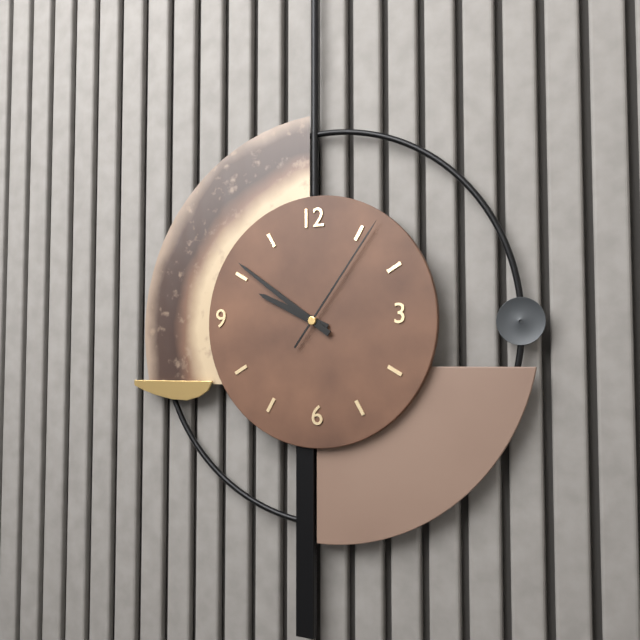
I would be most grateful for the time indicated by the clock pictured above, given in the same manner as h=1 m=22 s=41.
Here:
h=9 m=51 s=6
